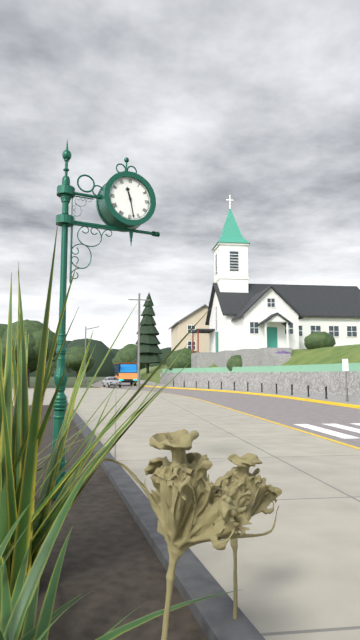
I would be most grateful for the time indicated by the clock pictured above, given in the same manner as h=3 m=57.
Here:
h=11 m=28
